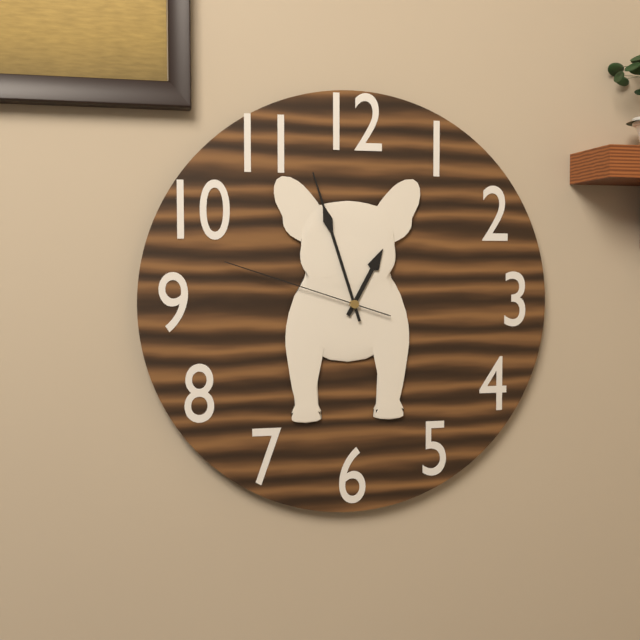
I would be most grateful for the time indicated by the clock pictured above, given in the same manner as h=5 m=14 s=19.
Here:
h=12 m=57 s=48
